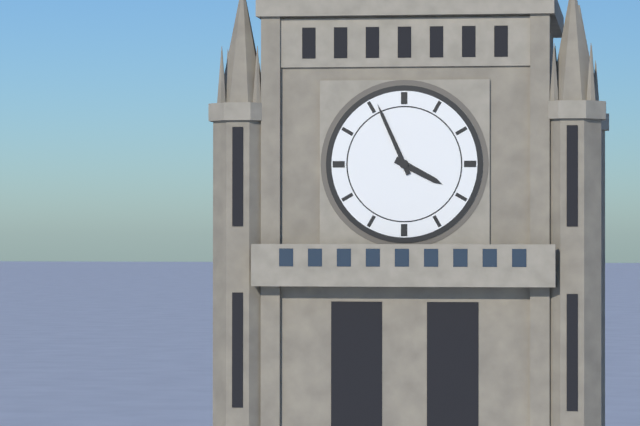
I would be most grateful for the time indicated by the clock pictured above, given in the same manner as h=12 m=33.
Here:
h=3 m=56
